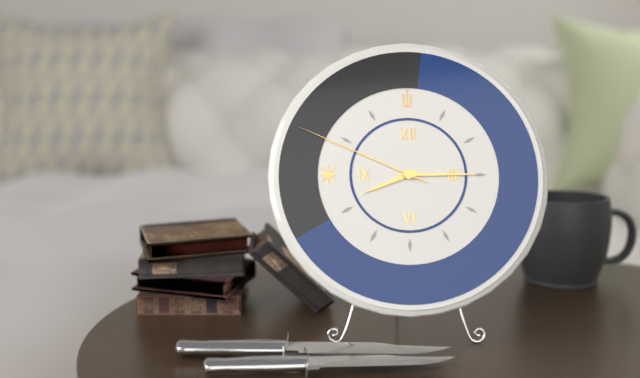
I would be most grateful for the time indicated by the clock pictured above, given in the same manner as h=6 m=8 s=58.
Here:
h=8 m=15 s=49
